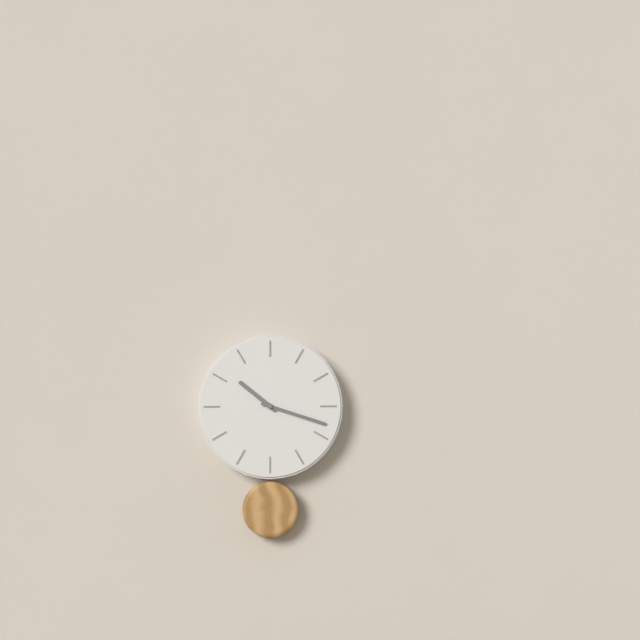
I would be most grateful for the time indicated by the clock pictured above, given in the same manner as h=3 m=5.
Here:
h=10 m=18
